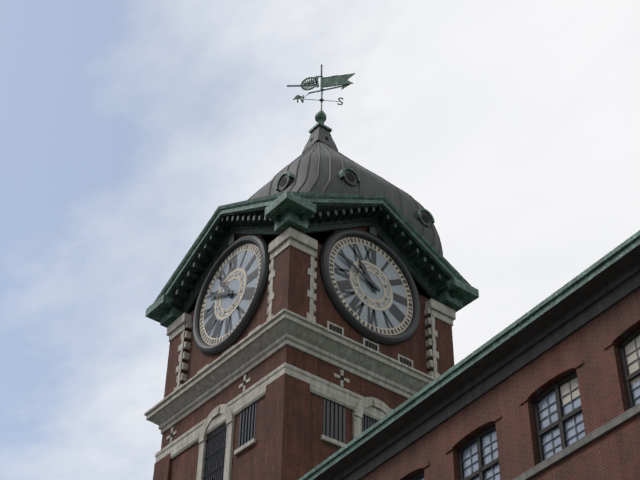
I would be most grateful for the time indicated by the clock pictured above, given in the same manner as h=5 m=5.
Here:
h=10 m=49
